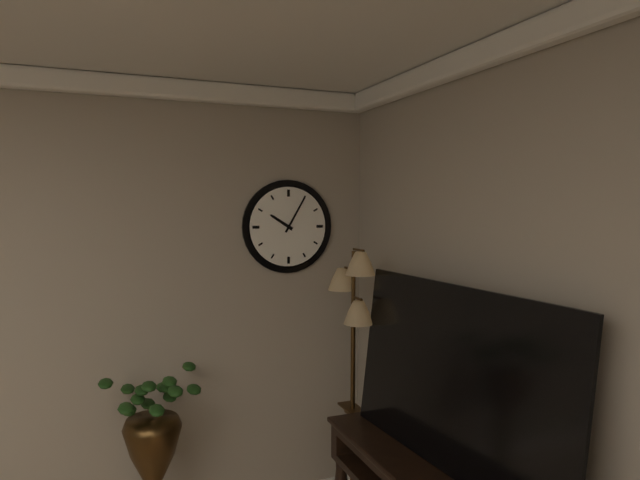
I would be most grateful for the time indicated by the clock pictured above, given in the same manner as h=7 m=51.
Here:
h=10 m=5
